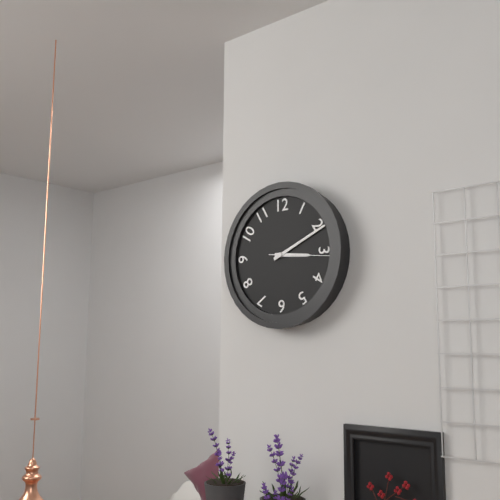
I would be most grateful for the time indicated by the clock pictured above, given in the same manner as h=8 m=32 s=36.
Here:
h=3 m=11 s=16
